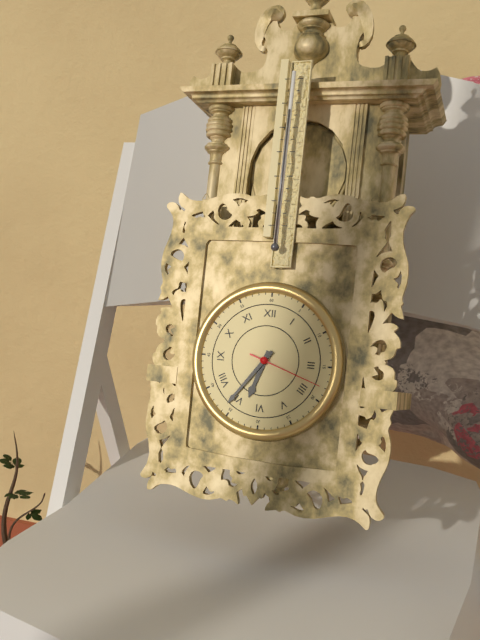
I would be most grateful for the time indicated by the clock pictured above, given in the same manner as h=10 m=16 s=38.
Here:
h=6 m=36 s=18
